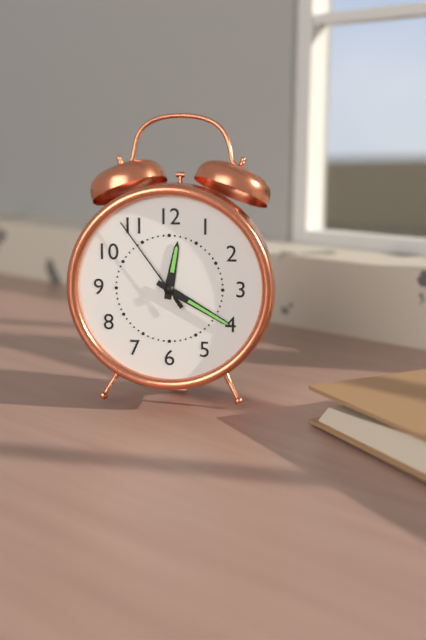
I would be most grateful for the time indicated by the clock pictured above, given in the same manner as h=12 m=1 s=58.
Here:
h=12 m=20 s=54
